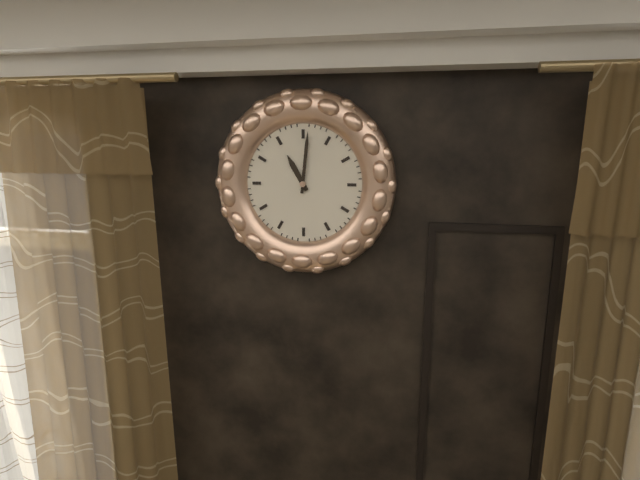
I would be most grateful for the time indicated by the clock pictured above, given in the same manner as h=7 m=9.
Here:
h=11 m=1
